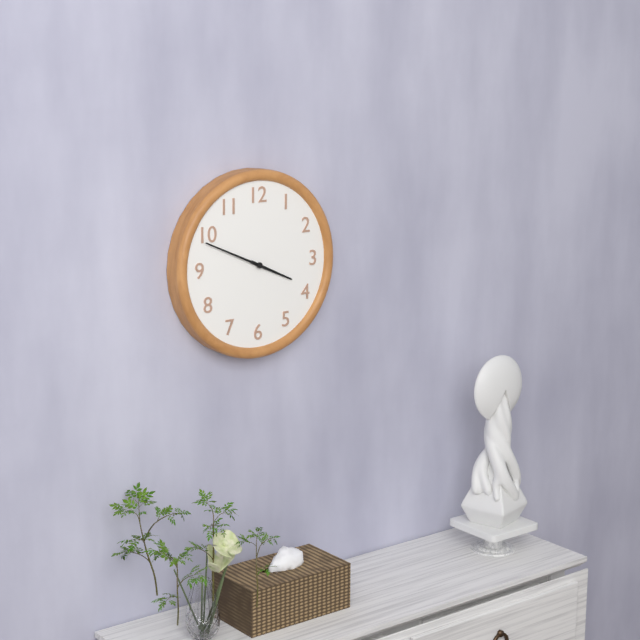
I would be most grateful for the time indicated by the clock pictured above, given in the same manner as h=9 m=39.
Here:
h=3 m=49
